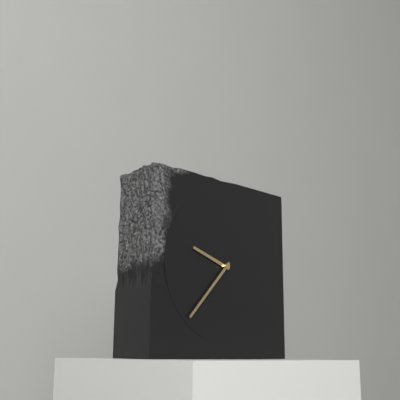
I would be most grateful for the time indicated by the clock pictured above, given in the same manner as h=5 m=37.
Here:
h=9 m=37
